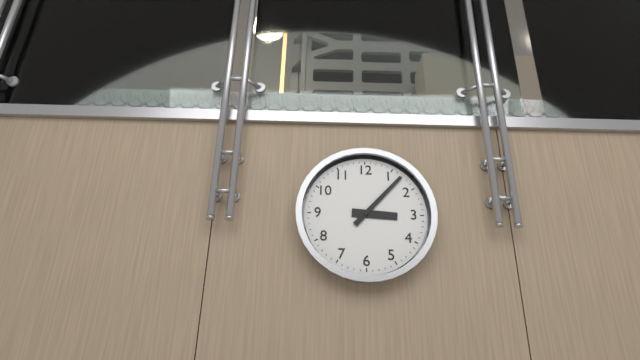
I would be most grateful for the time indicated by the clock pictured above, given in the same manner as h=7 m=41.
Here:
h=3 m=7
